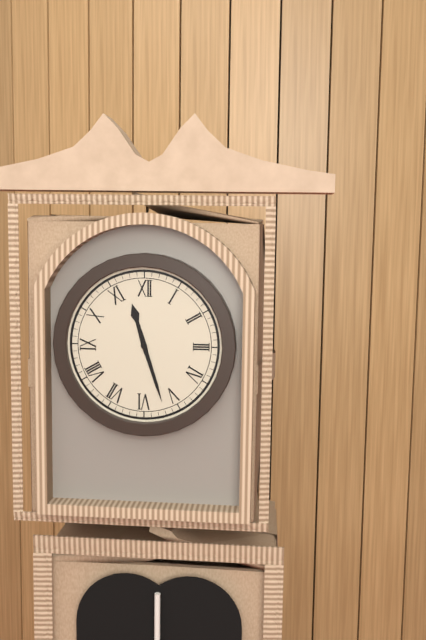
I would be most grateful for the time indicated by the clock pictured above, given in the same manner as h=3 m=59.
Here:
h=11 m=27
